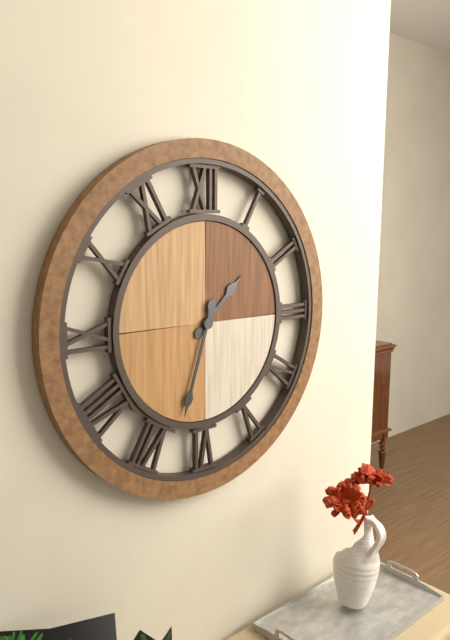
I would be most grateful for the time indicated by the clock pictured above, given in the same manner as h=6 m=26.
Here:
h=1 m=33
